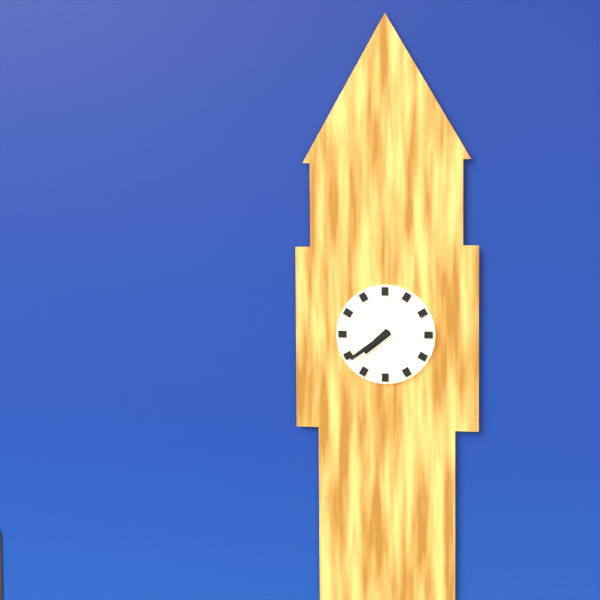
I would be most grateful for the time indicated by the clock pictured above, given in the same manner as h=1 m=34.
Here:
h=7 m=39
